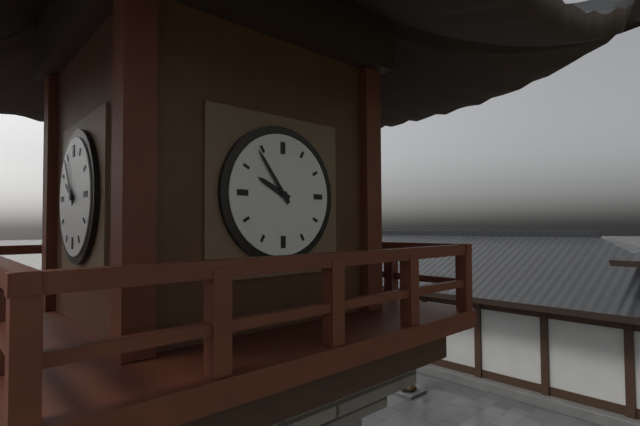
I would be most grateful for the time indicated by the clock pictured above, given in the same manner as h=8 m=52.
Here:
h=9 m=54
